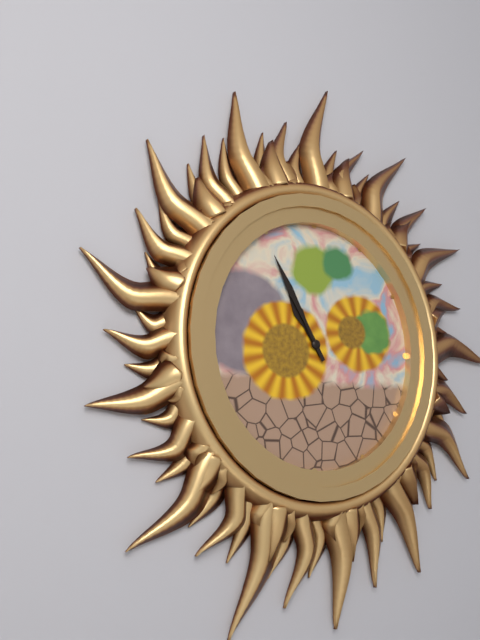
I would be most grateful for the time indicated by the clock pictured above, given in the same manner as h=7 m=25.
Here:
h=10 m=55
